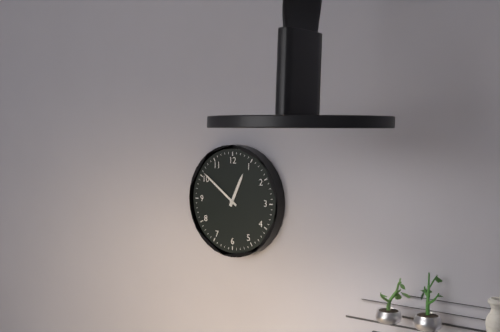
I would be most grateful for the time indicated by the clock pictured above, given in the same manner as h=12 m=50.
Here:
h=12 m=51
